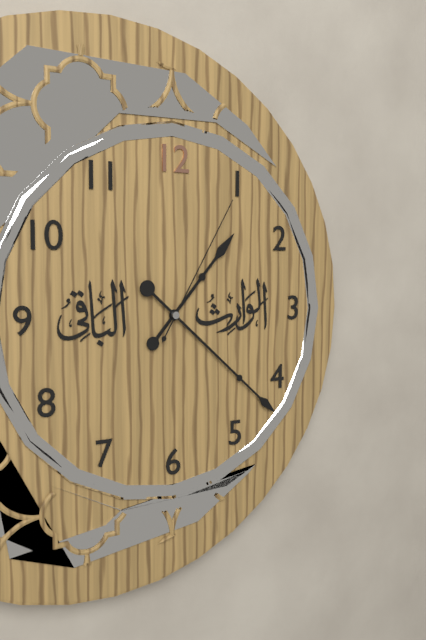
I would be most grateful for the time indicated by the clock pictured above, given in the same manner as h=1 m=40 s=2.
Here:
h=1 m=22 s=5
